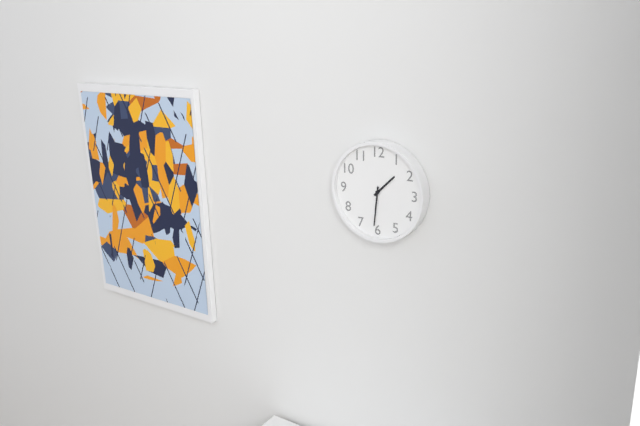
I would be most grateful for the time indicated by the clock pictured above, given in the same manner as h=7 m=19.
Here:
h=1 m=31
